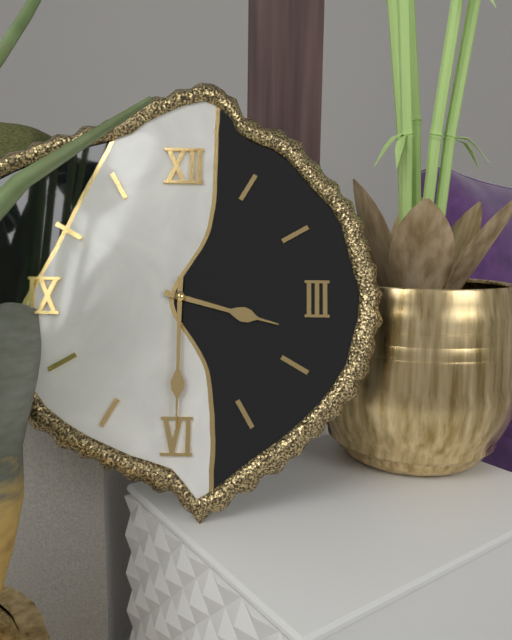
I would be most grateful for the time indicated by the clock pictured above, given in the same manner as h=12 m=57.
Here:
h=3 m=30
